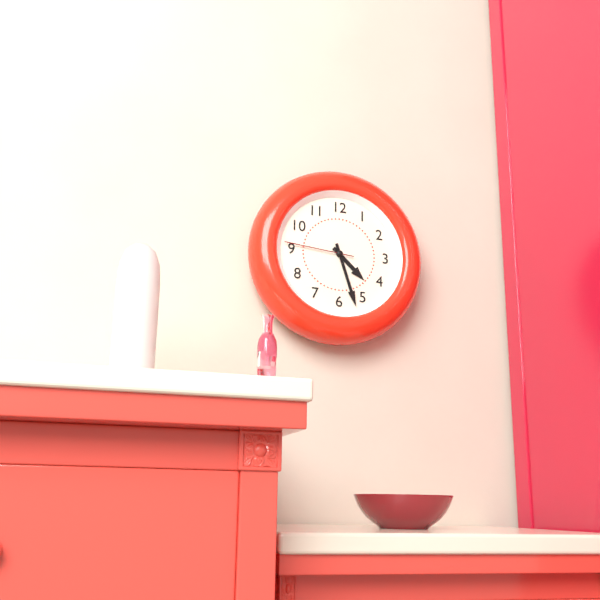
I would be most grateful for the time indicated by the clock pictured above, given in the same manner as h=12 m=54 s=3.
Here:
h=4 m=27 s=46
